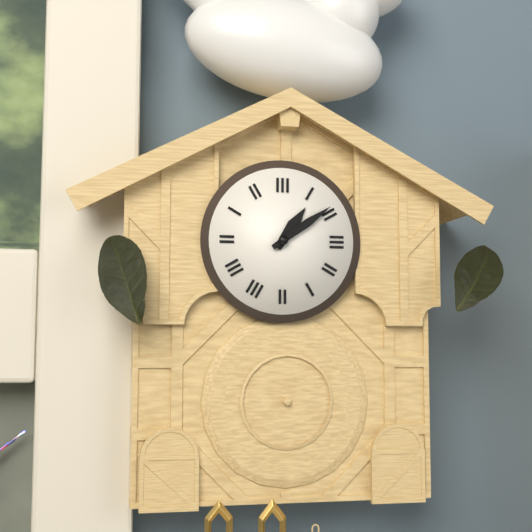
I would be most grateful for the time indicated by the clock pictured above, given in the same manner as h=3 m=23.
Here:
h=1 m=9
